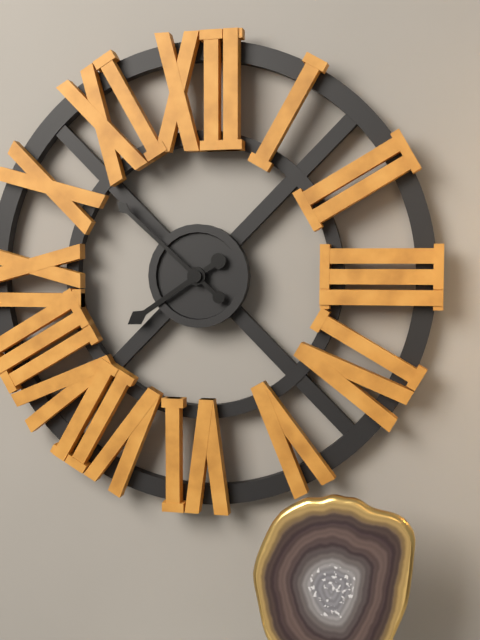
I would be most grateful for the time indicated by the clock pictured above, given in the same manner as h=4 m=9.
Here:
h=7 m=52
